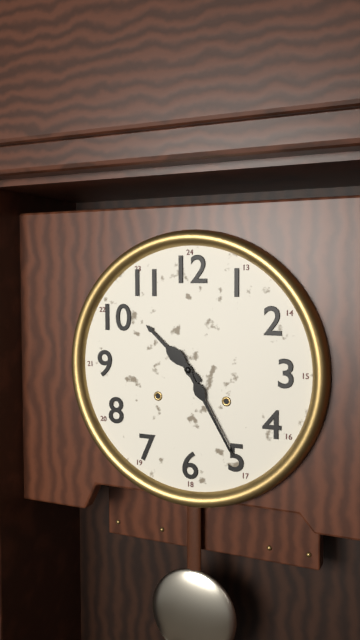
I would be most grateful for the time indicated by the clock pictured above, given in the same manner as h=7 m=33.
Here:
h=10 m=25
